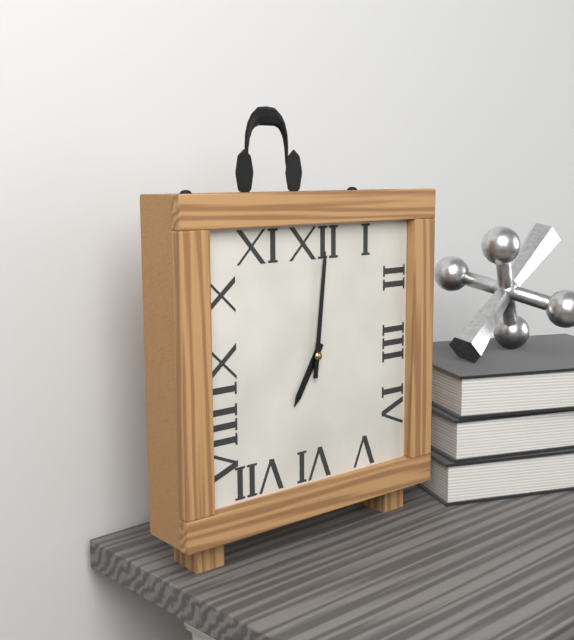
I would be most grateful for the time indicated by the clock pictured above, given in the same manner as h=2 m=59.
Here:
h=7 m=1
